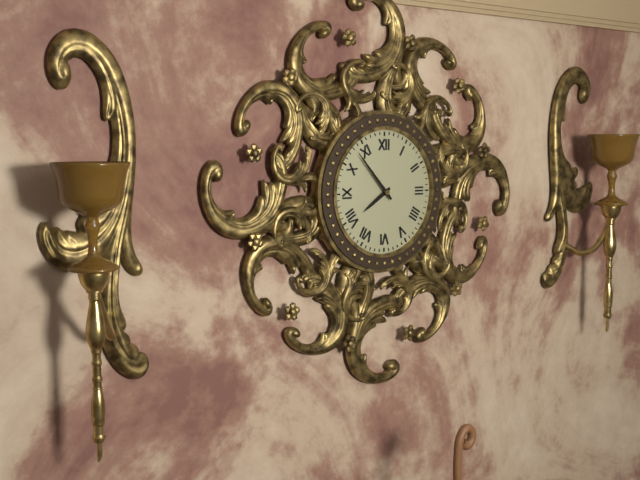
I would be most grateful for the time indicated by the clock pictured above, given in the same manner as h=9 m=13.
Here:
h=7 m=53
